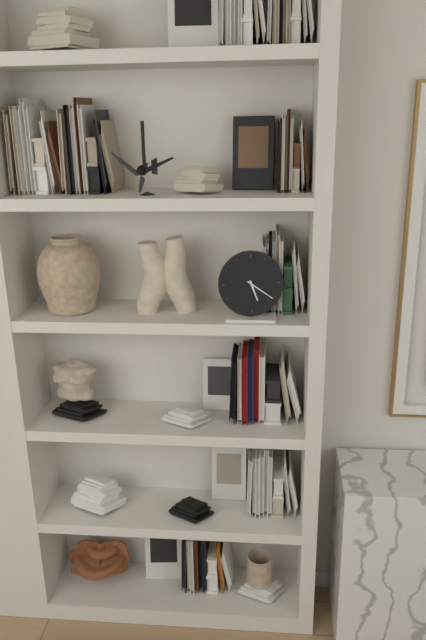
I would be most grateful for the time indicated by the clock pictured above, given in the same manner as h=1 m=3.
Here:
h=5 m=21
